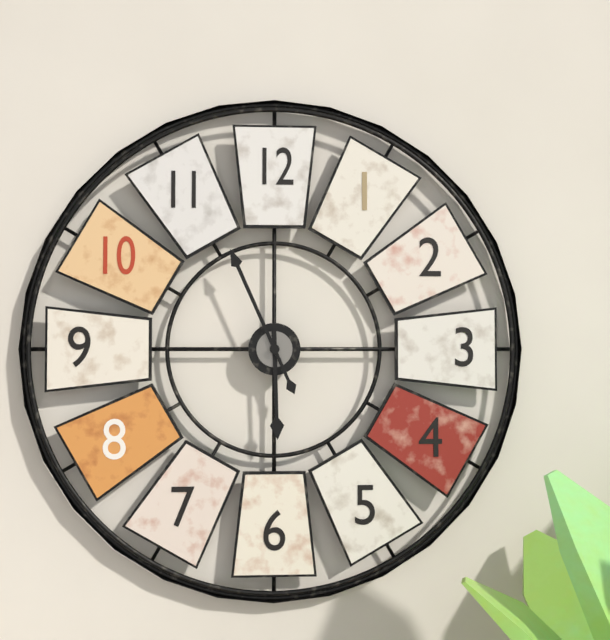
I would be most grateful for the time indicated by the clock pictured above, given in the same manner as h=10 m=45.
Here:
h=5 m=56
